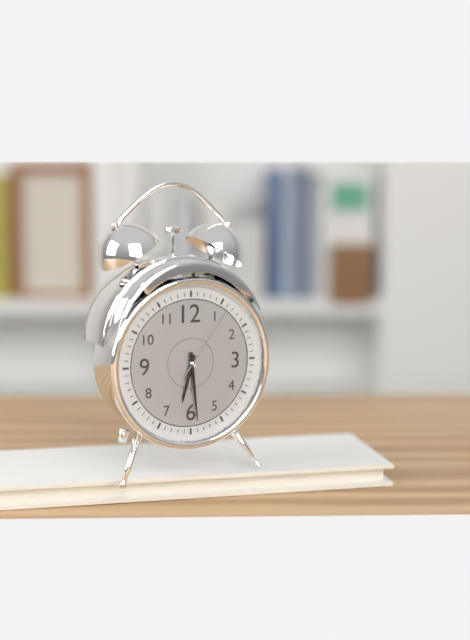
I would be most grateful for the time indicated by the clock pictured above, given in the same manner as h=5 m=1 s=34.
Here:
h=6 m=29 s=6
